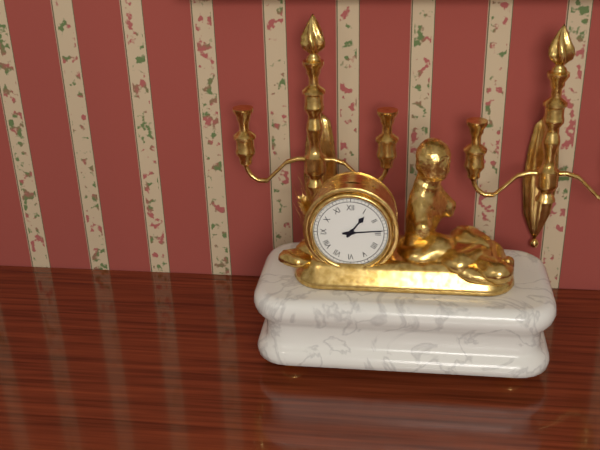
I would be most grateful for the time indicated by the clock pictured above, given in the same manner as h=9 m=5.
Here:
h=1 m=14
